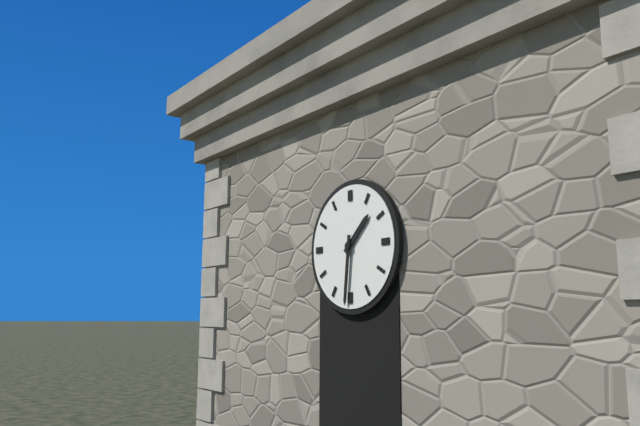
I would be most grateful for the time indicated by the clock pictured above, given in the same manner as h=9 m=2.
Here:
h=1 m=31
